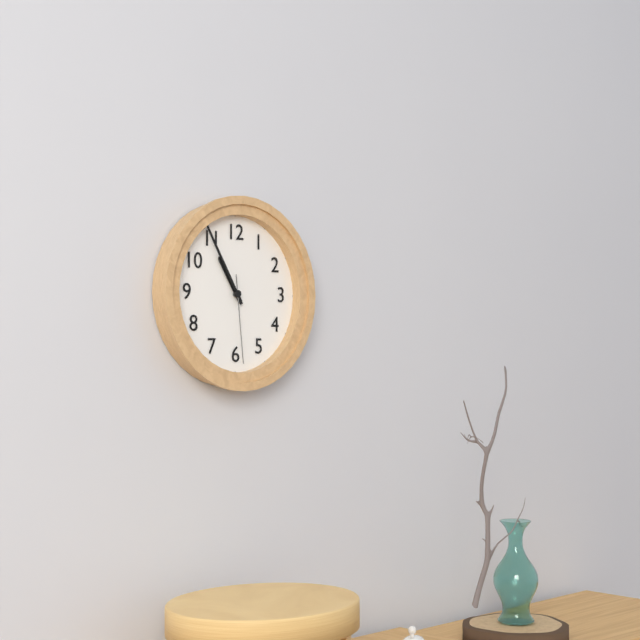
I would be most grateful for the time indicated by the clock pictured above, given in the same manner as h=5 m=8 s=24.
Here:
h=10 m=55 s=29
